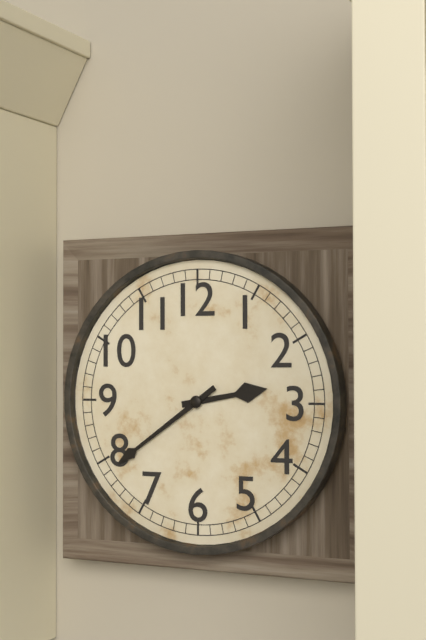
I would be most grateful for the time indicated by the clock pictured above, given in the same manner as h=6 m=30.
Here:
h=2 m=39
